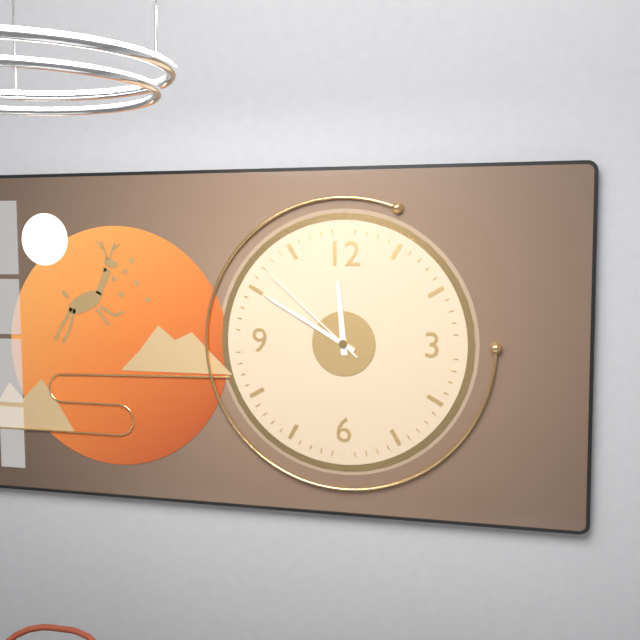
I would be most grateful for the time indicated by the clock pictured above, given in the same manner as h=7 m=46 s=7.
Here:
h=11 m=50 s=52
